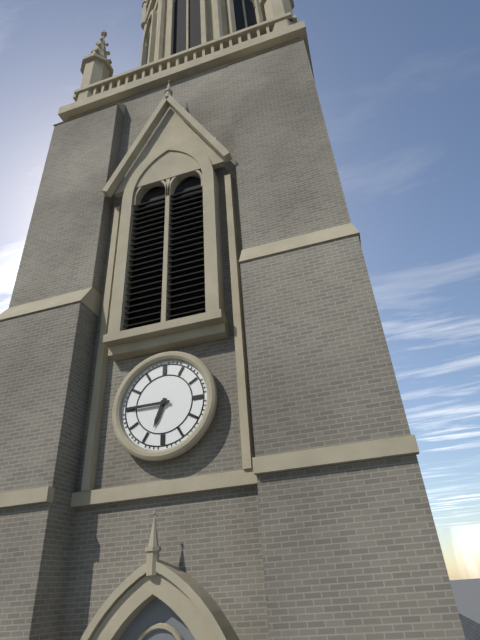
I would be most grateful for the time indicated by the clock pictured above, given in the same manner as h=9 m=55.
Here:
h=6 m=45
